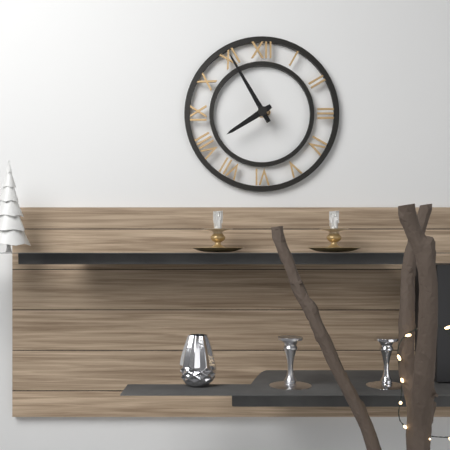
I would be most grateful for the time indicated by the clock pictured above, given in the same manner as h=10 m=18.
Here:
h=7 m=55
